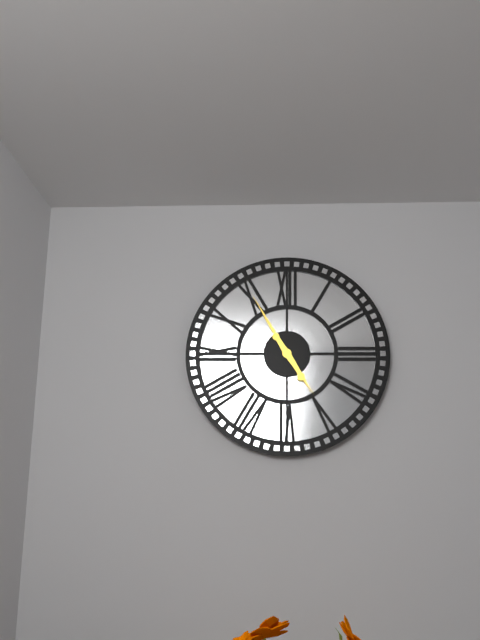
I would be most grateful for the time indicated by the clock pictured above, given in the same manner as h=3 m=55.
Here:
h=4 m=55
